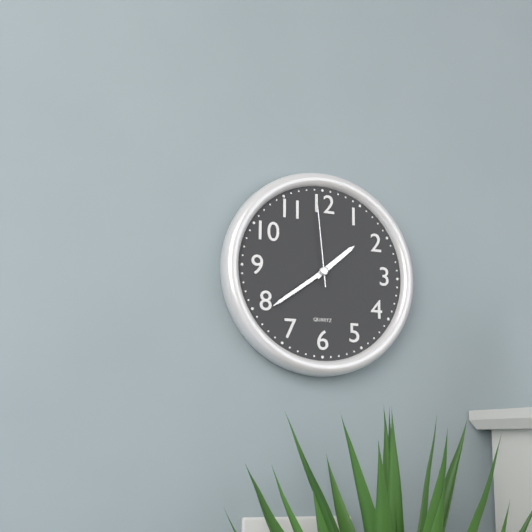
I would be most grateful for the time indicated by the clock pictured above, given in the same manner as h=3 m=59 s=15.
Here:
h=1 m=39 s=59
